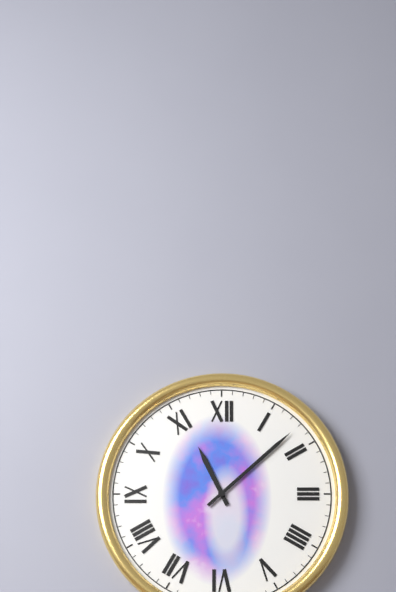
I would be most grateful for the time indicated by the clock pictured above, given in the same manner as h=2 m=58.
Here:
h=11 m=8
